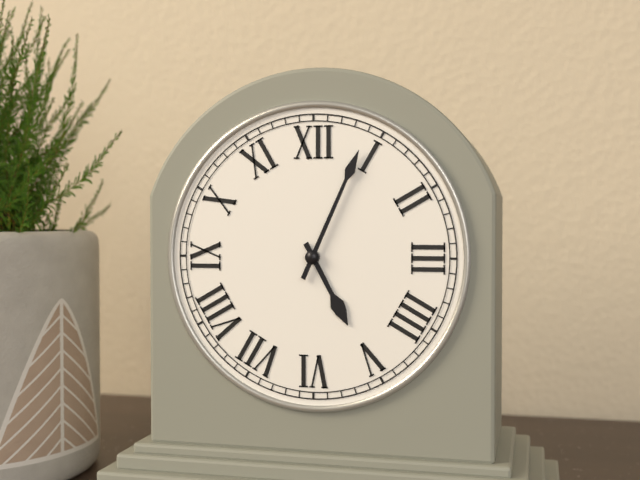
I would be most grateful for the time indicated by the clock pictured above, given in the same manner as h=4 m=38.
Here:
h=5 m=4
